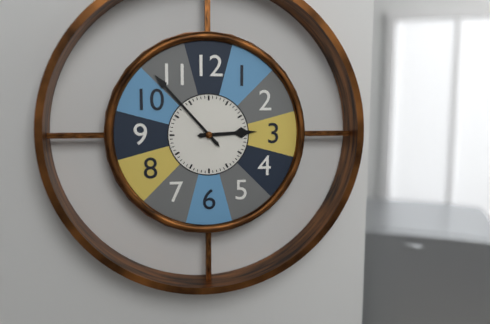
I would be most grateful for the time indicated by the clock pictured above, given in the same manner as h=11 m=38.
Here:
h=2 m=53
